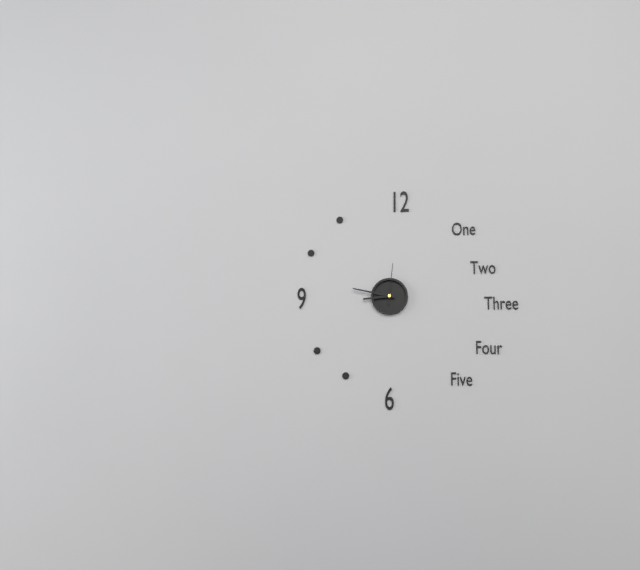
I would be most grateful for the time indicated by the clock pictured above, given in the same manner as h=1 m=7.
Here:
h=8 m=47
